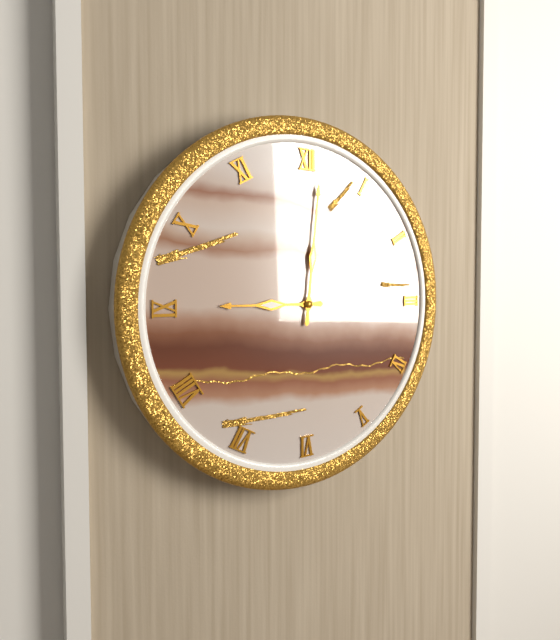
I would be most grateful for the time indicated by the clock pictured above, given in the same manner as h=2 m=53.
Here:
h=9 m=1
